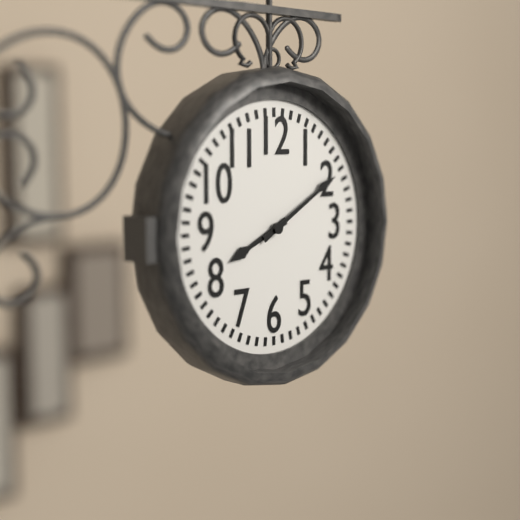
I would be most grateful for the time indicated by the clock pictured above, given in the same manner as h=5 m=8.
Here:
h=8 m=10
